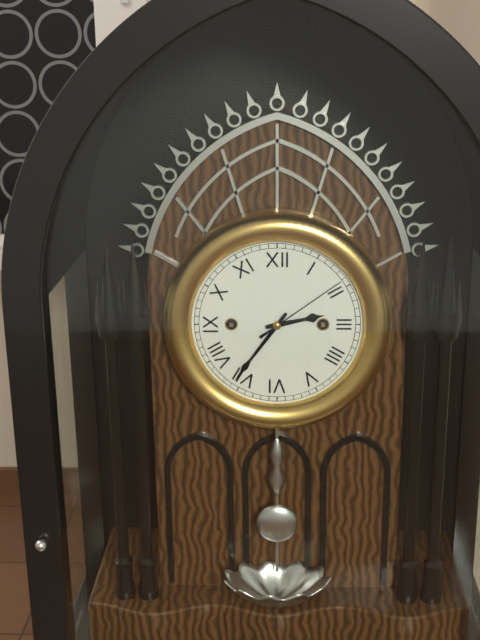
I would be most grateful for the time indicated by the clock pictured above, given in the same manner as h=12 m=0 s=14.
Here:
h=2 m=36 s=9
